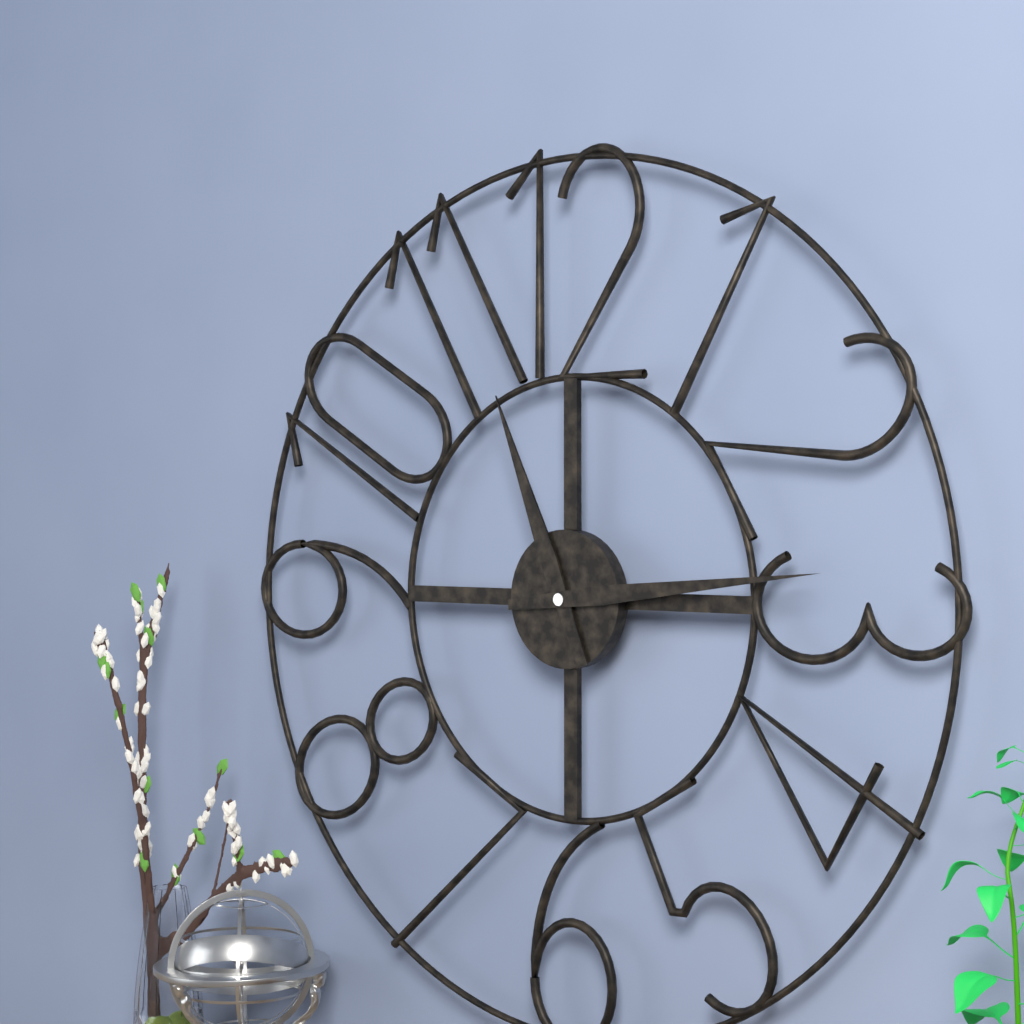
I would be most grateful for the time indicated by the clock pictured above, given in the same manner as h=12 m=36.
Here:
h=11 m=14
